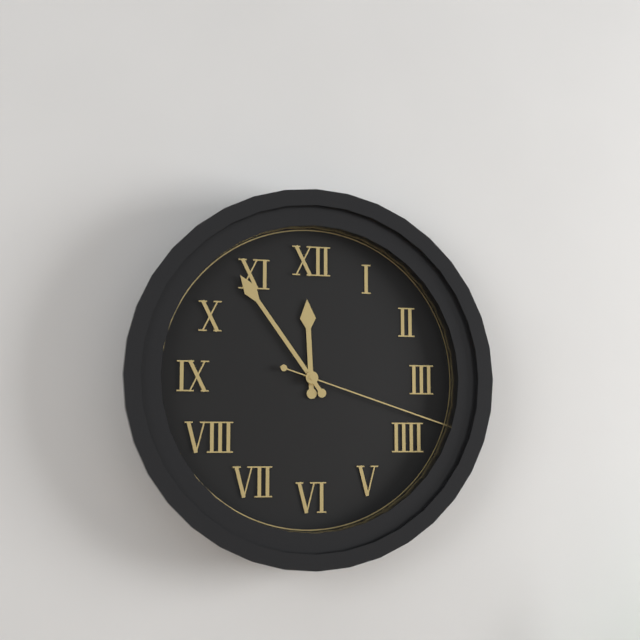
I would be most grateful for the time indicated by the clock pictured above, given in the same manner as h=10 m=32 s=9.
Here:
h=11 m=54 s=18
